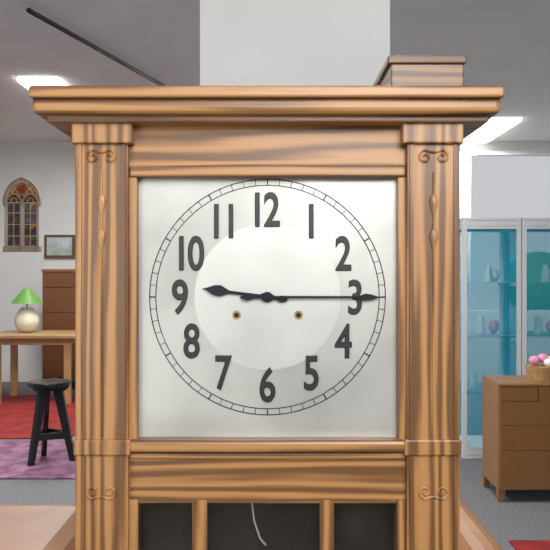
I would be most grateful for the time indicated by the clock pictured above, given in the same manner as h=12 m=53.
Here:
h=9 m=15
